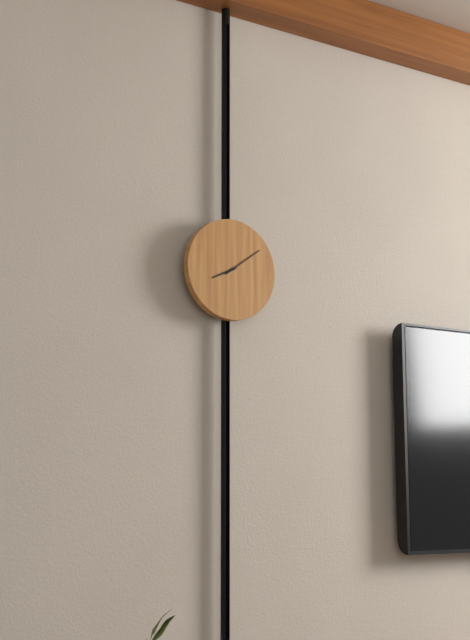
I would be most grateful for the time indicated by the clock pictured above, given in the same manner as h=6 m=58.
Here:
h=8 m=9
